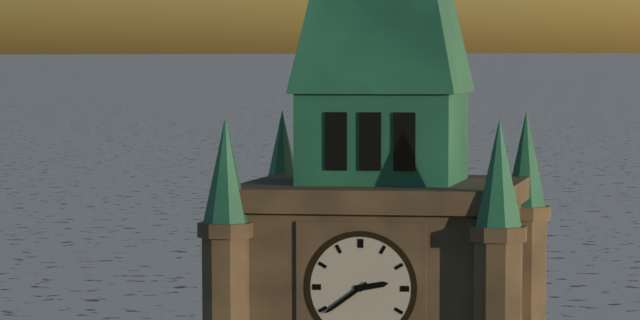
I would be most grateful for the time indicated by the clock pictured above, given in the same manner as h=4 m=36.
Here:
h=2 m=39
